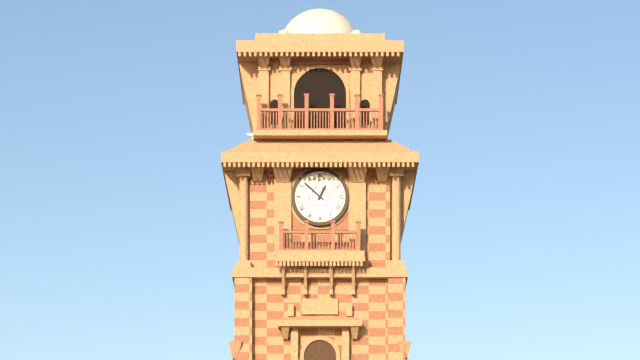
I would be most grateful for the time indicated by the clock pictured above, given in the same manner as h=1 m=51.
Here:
h=12 m=52
